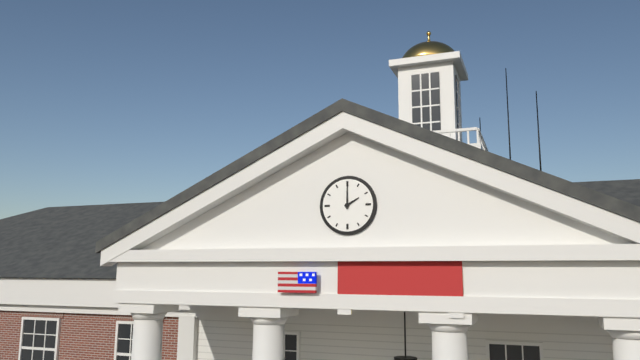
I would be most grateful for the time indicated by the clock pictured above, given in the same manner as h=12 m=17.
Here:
h=2 m=0
